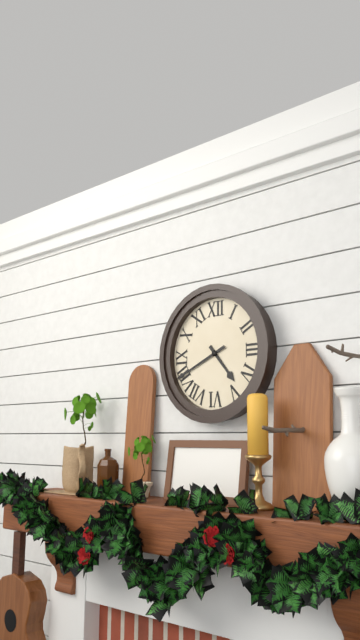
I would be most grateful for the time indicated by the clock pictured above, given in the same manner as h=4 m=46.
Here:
h=4 m=41
